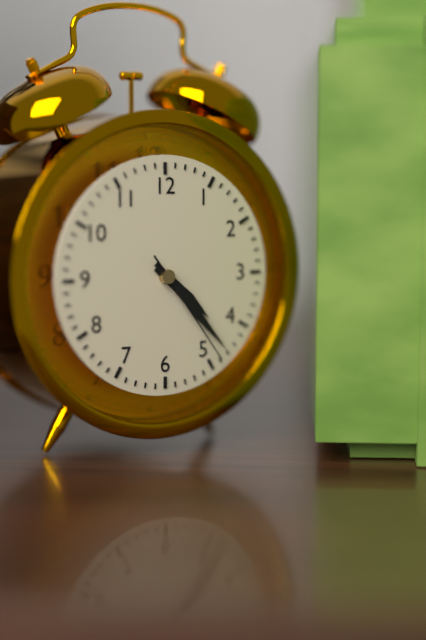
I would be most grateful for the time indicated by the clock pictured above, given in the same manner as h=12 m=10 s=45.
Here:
h=4 m=23 s=24
